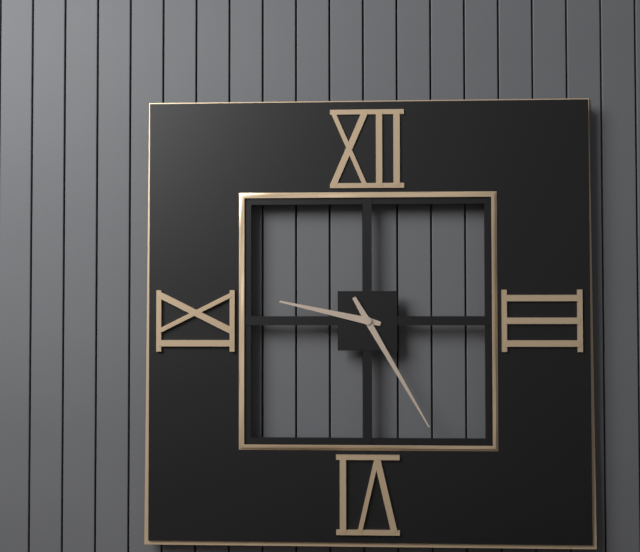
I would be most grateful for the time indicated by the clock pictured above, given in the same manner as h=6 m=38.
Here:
h=9 m=25
